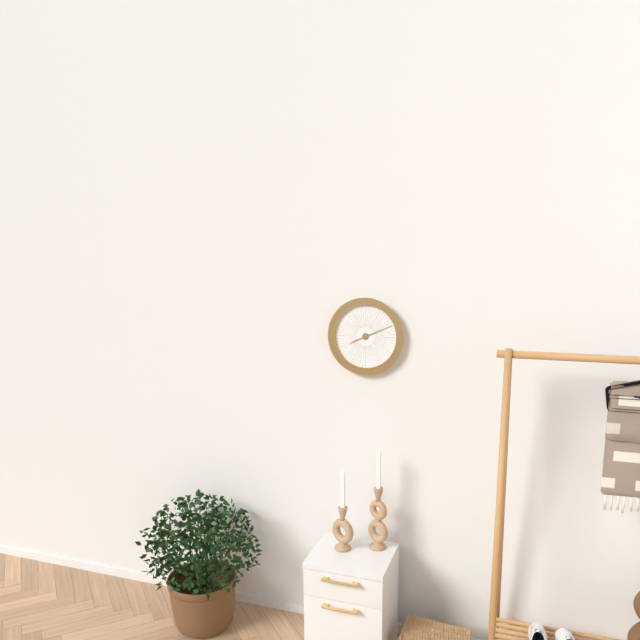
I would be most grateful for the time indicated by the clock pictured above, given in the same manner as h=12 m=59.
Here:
h=8 m=11
